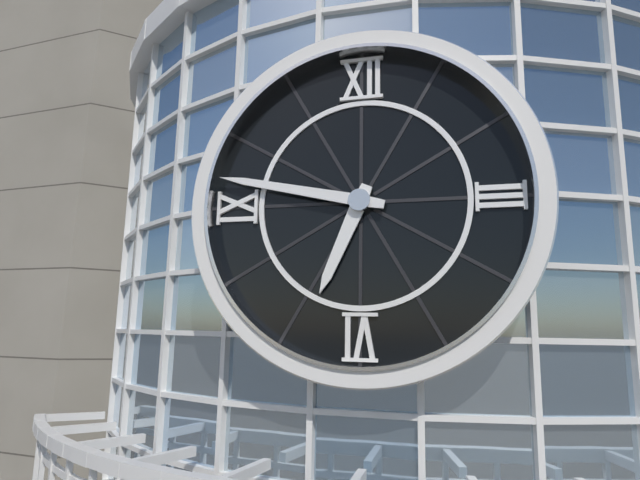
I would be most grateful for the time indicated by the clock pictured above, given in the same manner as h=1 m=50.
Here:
h=6 m=47
